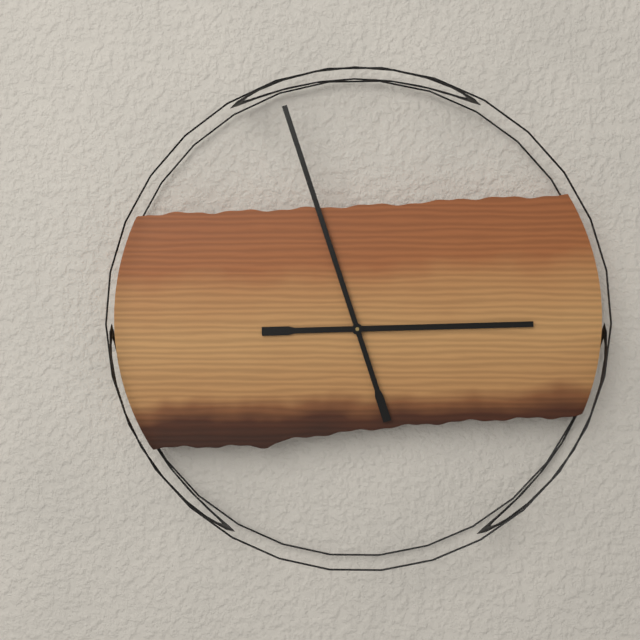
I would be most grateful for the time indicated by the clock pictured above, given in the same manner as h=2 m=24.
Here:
h=2 m=57
